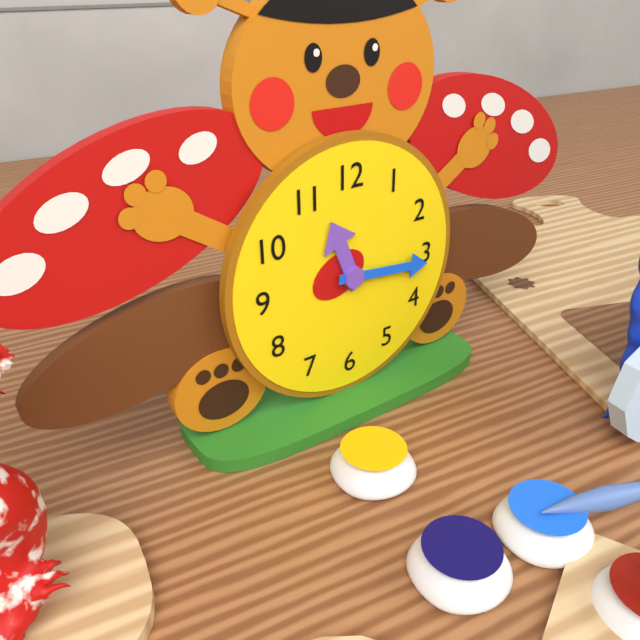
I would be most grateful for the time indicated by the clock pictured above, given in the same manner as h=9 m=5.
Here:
h=11 m=16
